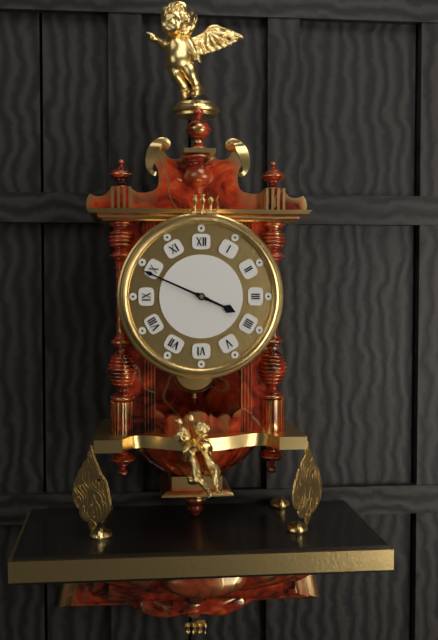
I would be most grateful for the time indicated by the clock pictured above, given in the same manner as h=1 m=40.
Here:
h=3 m=49
